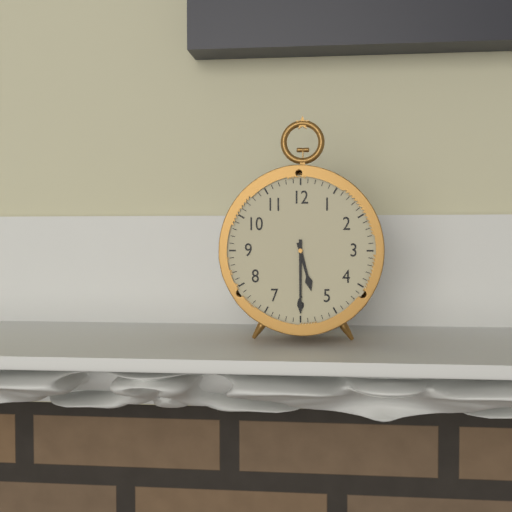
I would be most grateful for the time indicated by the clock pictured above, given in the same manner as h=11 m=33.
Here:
h=5 m=30
